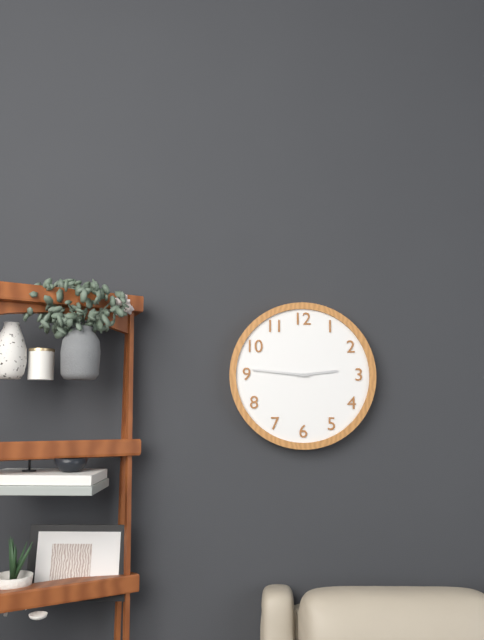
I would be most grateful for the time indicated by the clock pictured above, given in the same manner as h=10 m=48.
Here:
h=2 m=46
